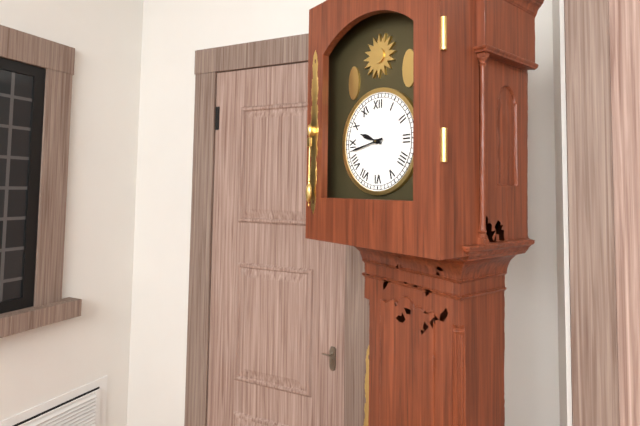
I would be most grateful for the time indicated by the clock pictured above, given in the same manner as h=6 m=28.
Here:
h=9 m=43
